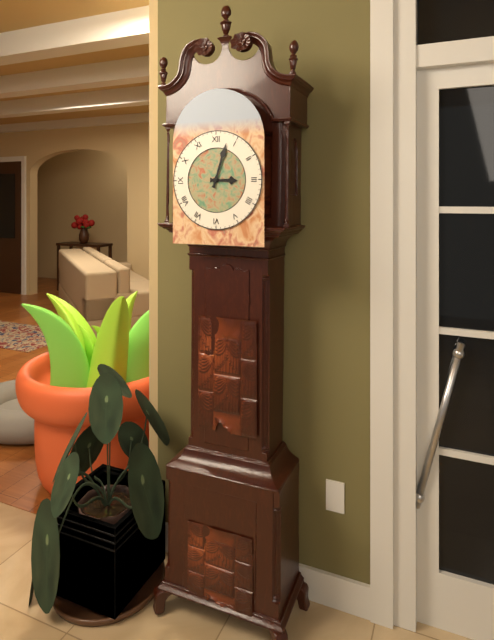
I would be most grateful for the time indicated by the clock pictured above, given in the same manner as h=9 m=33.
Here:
h=3 m=3
